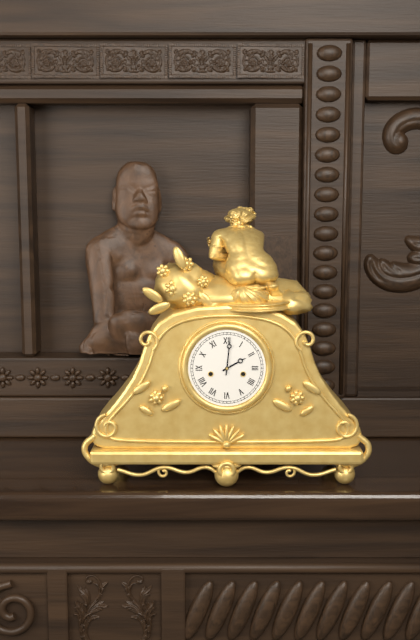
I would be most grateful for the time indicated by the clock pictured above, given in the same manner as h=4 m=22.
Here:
h=2 m=1
